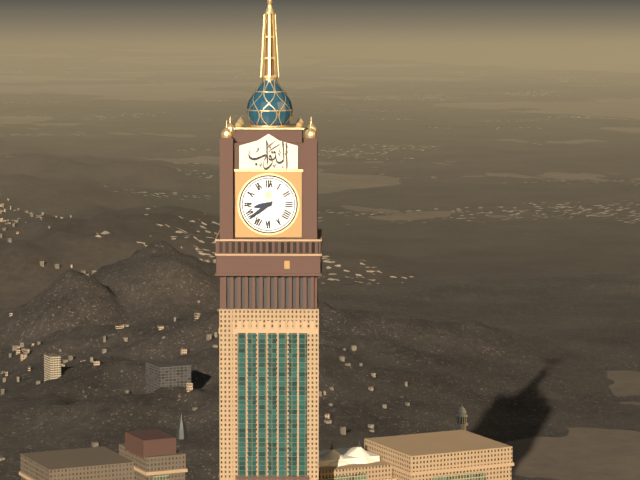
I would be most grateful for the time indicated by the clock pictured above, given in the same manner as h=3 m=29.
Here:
h=8 m=39
